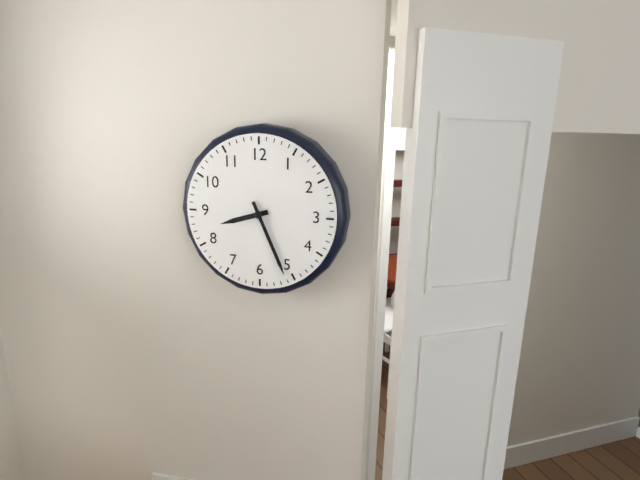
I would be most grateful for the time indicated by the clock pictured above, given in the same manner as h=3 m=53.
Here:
h=8 m=26
